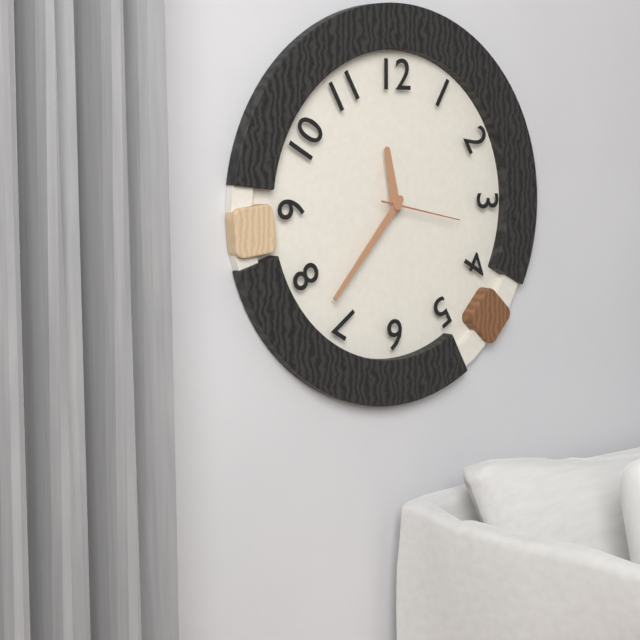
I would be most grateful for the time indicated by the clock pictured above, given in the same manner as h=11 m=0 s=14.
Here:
h=11 m=37 s=17
